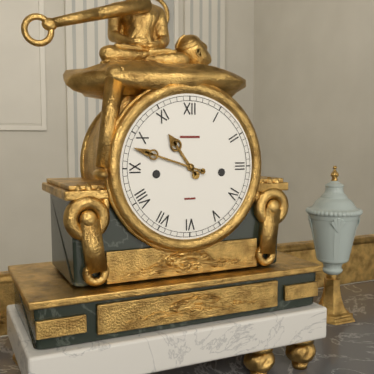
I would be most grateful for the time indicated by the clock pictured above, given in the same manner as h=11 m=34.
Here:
h=10 m=48
